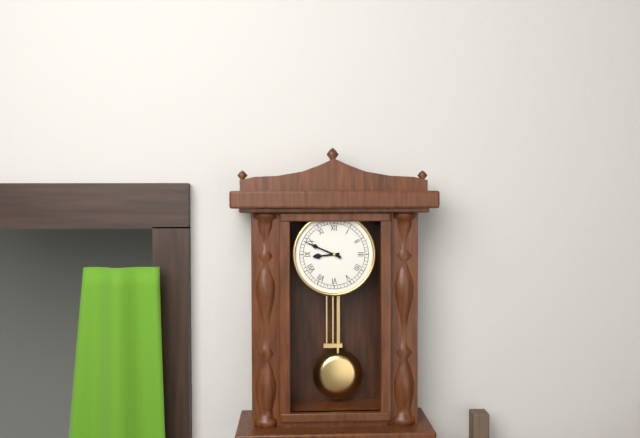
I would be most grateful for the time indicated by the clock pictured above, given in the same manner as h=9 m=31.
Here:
h=8 m=49
